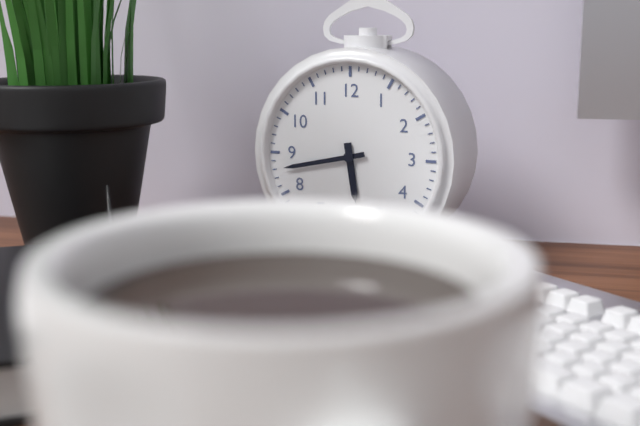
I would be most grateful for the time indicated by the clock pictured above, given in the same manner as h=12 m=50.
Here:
h=5 m=43
